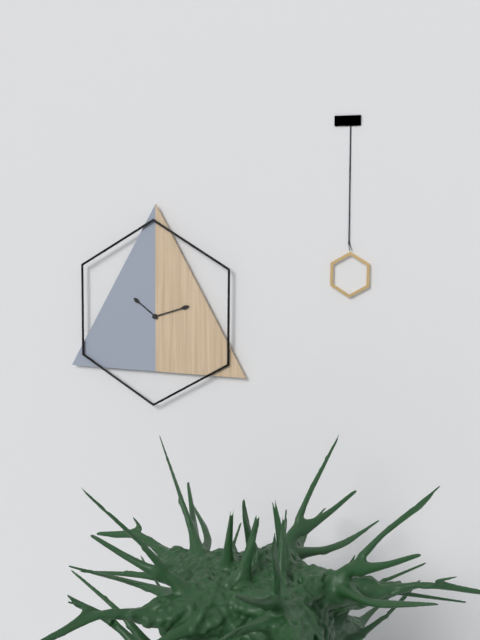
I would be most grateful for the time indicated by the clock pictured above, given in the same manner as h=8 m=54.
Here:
h=10 m=12
